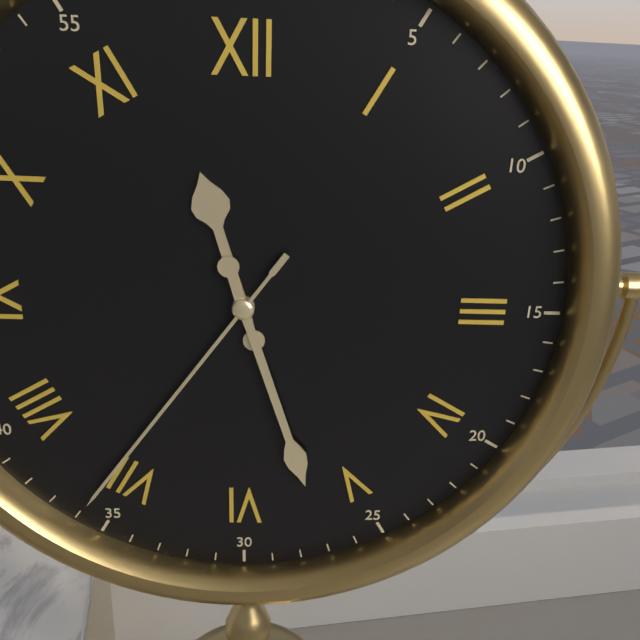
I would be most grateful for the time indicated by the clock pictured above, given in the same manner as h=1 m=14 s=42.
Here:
h=11 m=27 s=36
